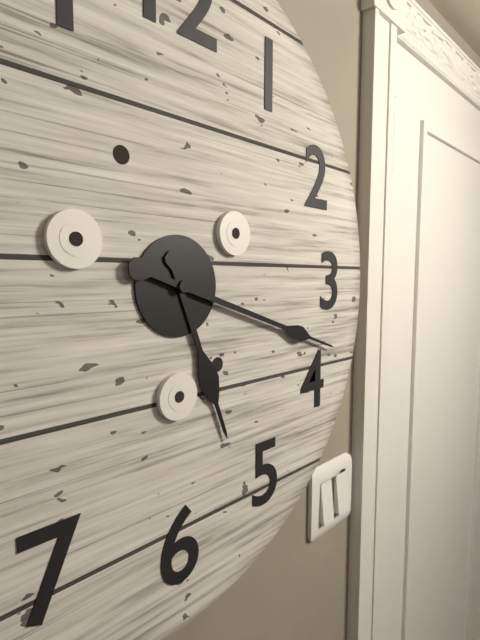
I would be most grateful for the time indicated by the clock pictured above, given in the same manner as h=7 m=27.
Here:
h=5 m=18
